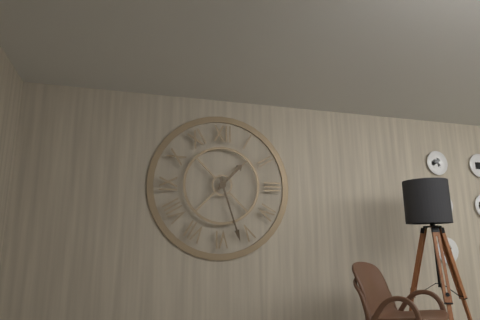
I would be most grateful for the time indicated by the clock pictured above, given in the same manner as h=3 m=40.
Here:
h=1 m=27
